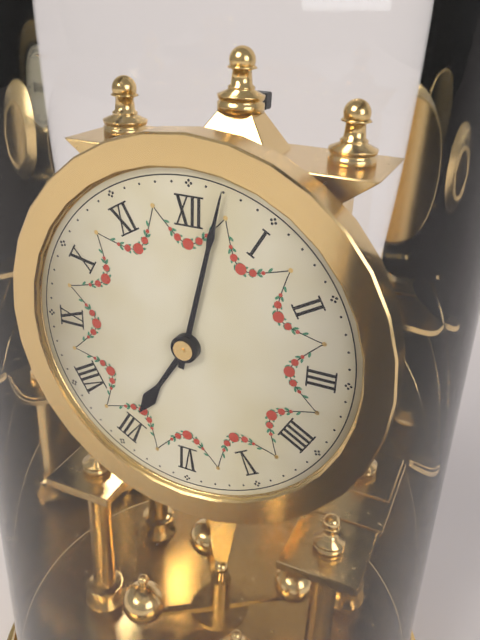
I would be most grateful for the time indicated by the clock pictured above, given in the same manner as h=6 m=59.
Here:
h=7 m=2
